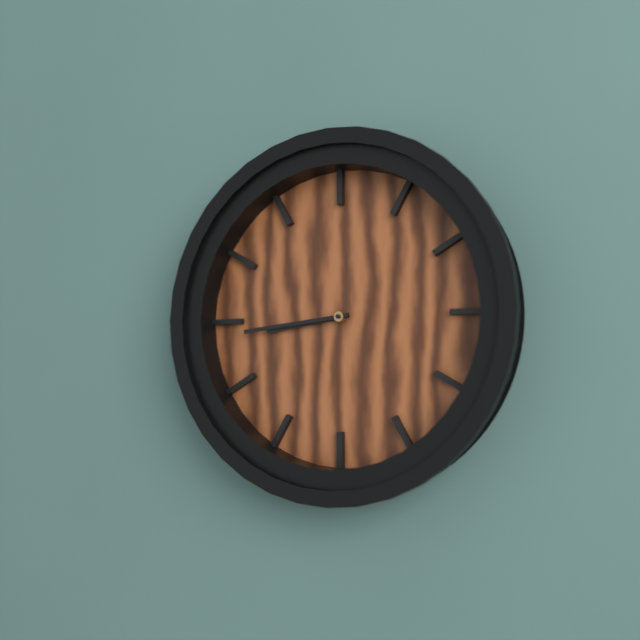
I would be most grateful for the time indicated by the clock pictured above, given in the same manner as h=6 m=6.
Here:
h=8 m=44
